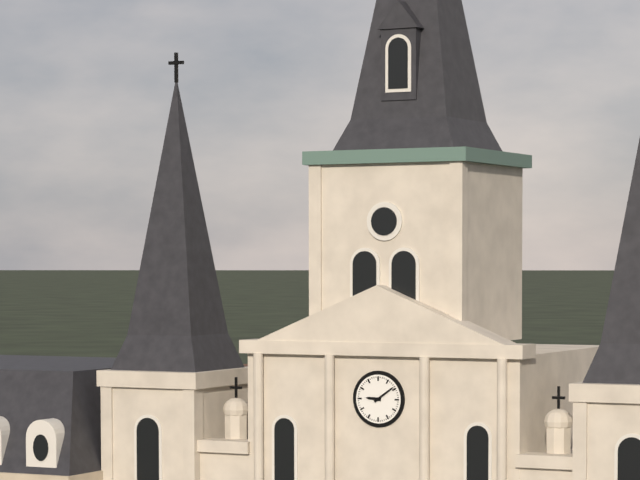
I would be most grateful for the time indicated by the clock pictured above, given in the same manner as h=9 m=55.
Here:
h=9 m=9
